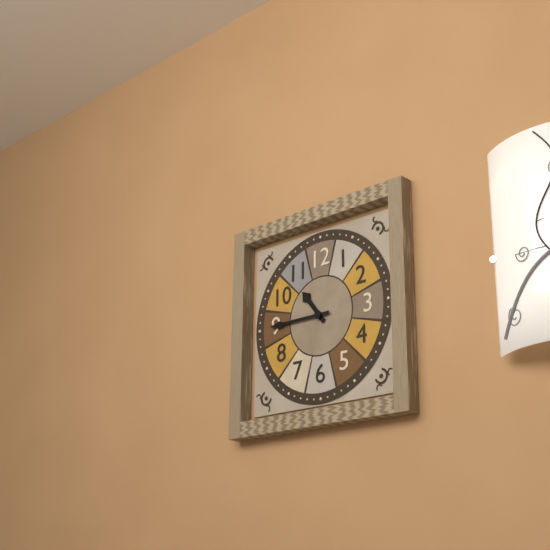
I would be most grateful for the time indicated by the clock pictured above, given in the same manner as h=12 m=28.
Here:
h=10 m=45
